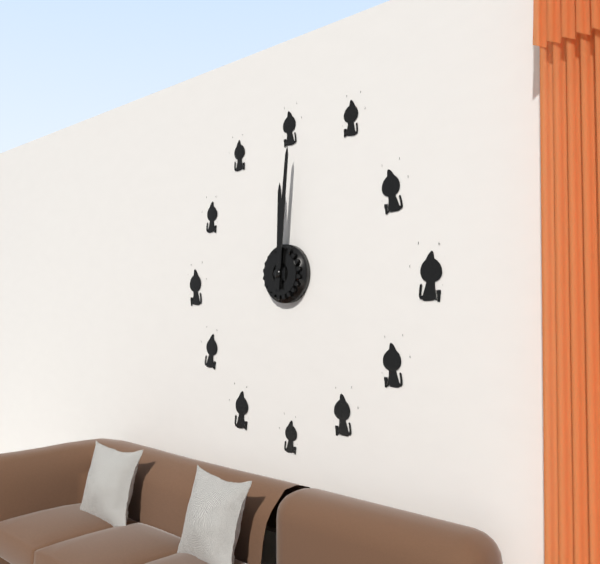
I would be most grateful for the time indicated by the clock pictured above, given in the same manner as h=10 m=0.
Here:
h=12 m=1
